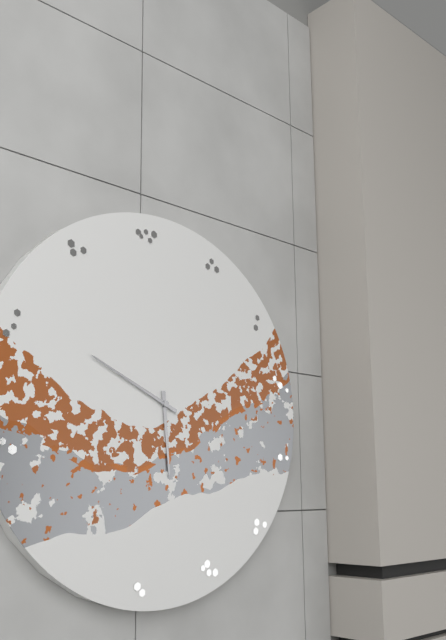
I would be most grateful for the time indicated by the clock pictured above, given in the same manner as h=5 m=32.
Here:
h=5 m=49
